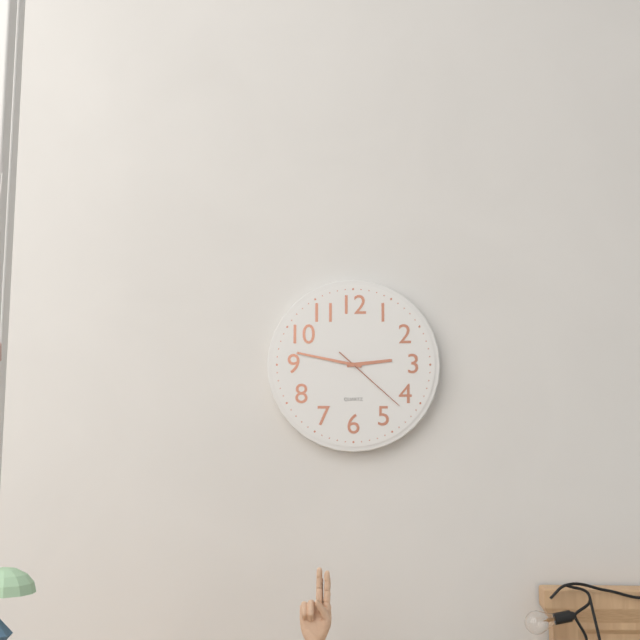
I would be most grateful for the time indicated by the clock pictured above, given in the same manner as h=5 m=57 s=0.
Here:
h=2 m=47 s=22
